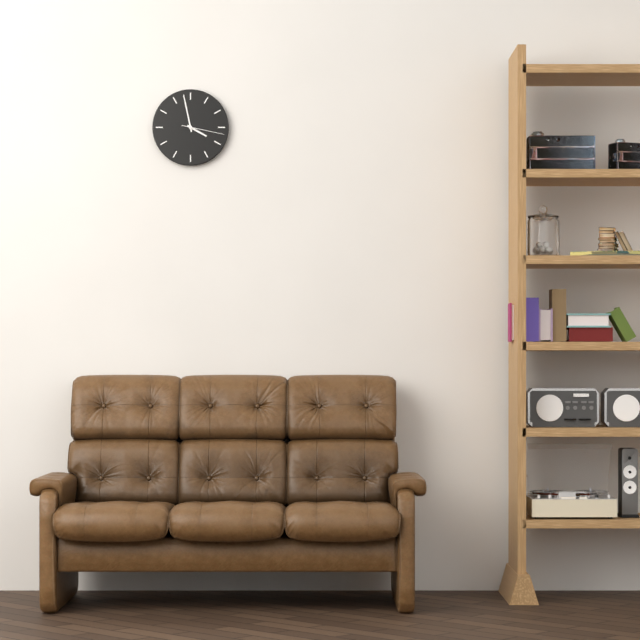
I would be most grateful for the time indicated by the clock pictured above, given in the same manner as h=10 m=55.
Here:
h=3 m=58
